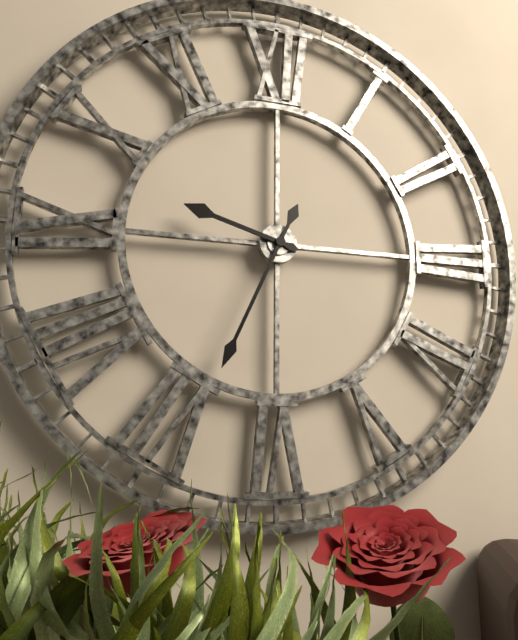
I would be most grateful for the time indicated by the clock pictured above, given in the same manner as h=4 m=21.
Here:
h=9 m=34
